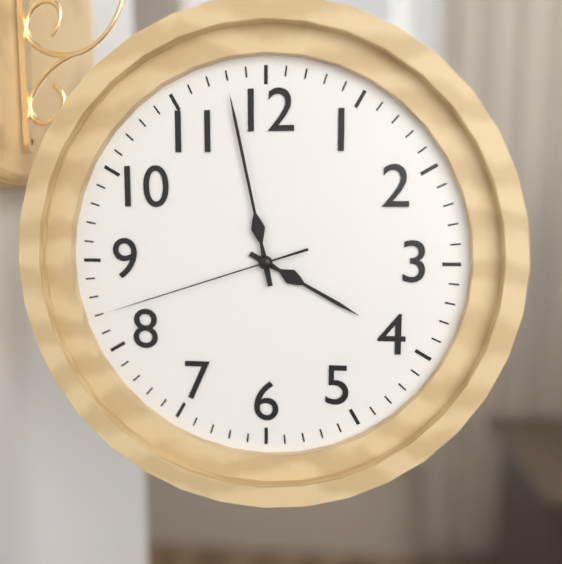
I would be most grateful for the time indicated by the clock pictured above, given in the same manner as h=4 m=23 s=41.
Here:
h=3 m=58 s=42
